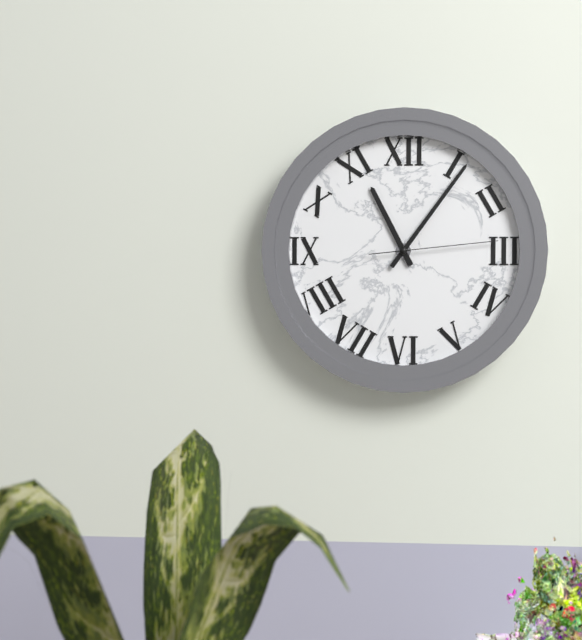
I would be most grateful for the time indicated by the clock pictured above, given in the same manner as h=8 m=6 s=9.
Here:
h=11 m=6 s=14
